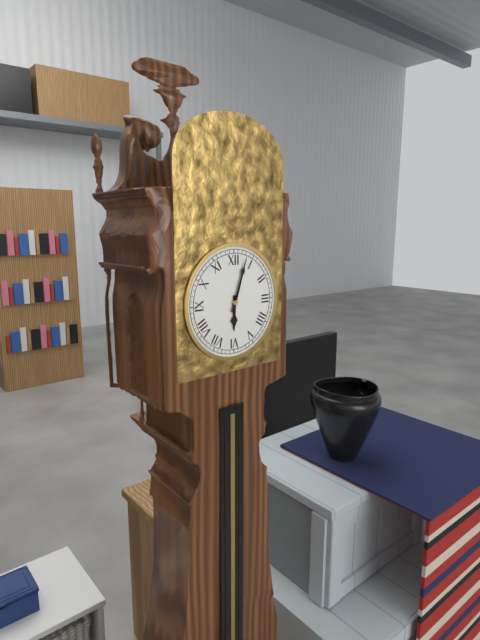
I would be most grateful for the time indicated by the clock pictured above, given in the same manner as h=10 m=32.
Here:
h=6 m=3
